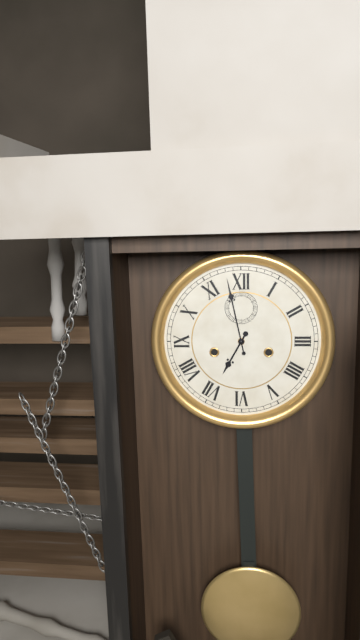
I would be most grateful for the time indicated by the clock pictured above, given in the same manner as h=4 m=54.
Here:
h=6 m=58
